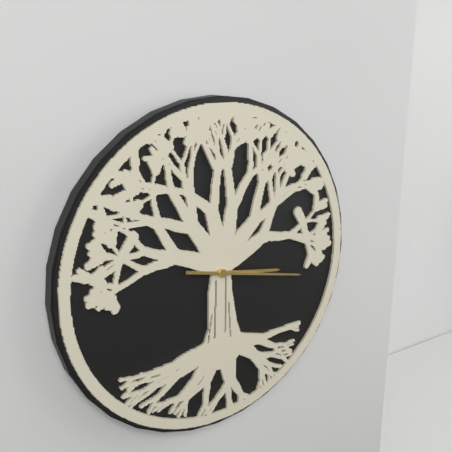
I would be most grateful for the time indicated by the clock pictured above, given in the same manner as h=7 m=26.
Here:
h=3 m=17
